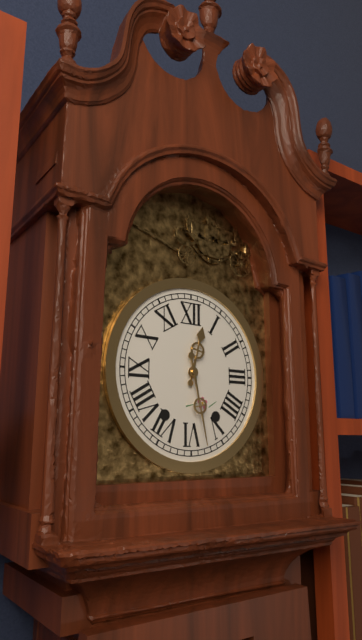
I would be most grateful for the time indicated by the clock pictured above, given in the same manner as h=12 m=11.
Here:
h=12 m=28
